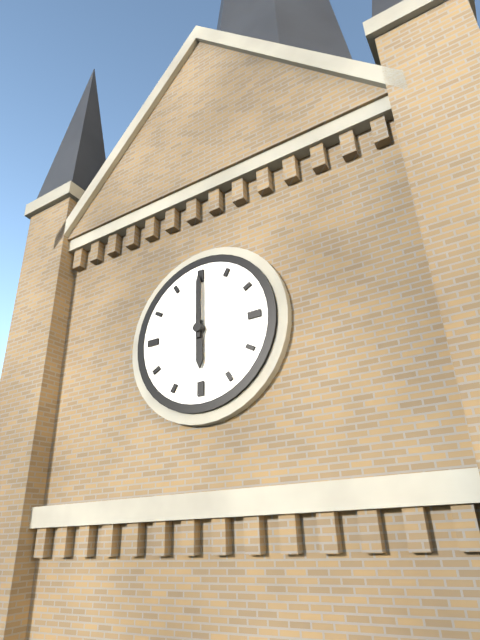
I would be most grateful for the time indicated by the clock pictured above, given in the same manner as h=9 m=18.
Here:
h=6 m=0
